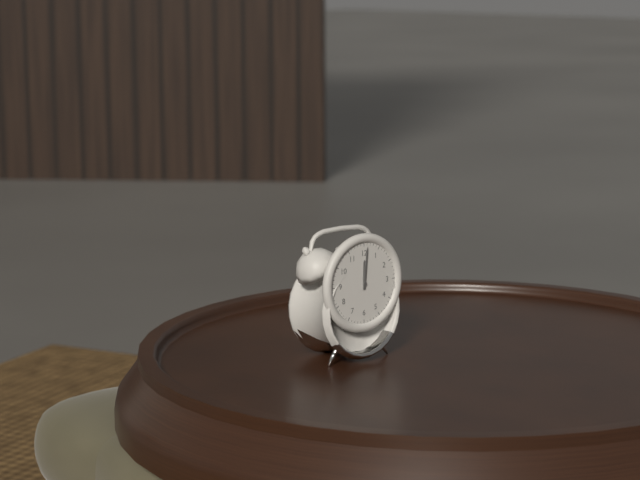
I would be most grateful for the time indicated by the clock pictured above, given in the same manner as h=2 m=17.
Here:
h=12 m=1
